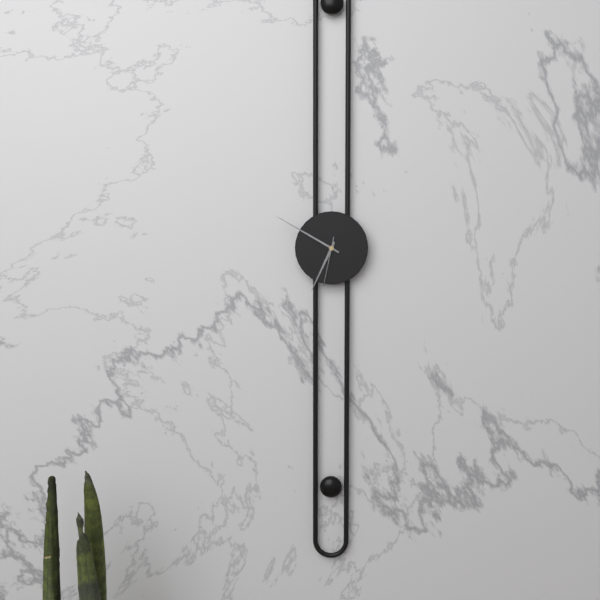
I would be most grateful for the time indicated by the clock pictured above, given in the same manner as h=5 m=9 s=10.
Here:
h=6 m=50 s=32
